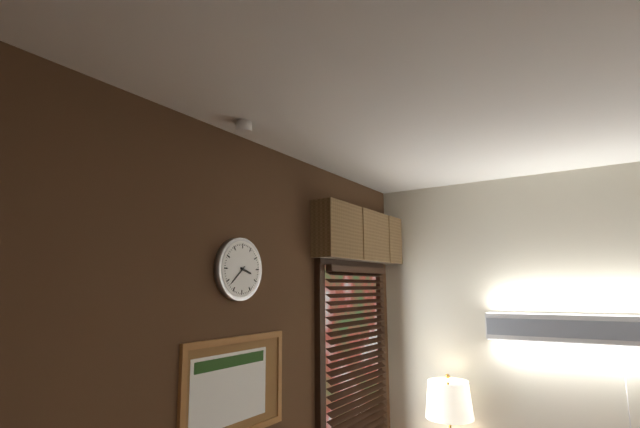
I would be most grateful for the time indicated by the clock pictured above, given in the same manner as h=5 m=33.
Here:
h=3 m=38
